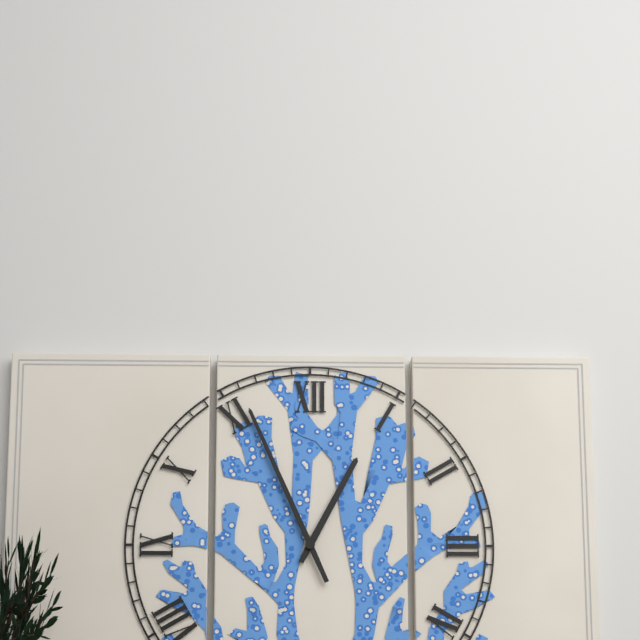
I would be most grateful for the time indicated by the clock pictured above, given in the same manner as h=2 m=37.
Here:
h=12 m=56
